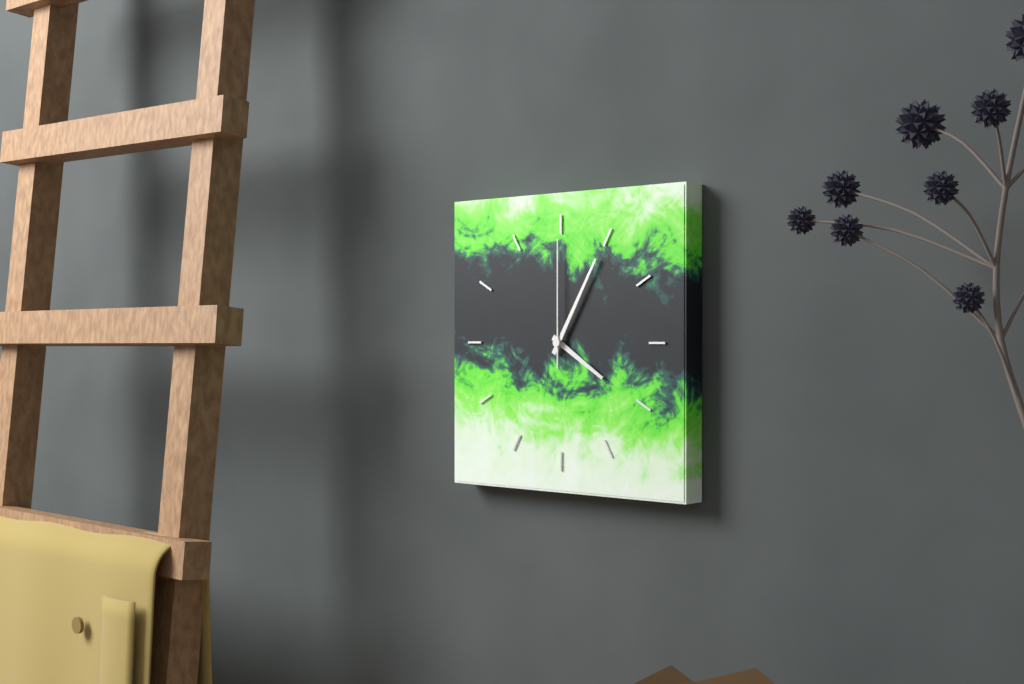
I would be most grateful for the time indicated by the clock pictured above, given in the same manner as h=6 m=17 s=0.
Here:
h=4 m=5 s=0
